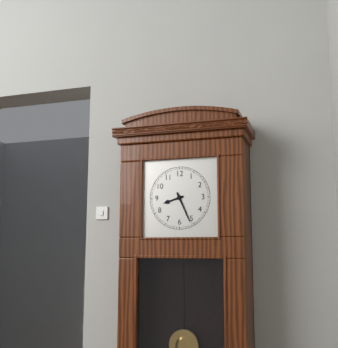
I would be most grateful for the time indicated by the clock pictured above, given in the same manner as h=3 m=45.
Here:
h=8 m=26
